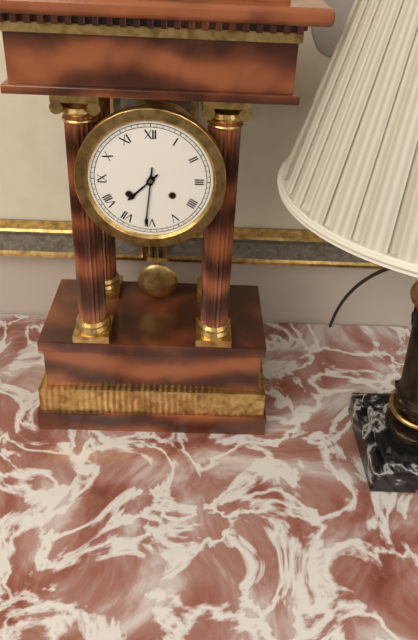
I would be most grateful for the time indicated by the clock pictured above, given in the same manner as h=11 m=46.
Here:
h=7 m=31
